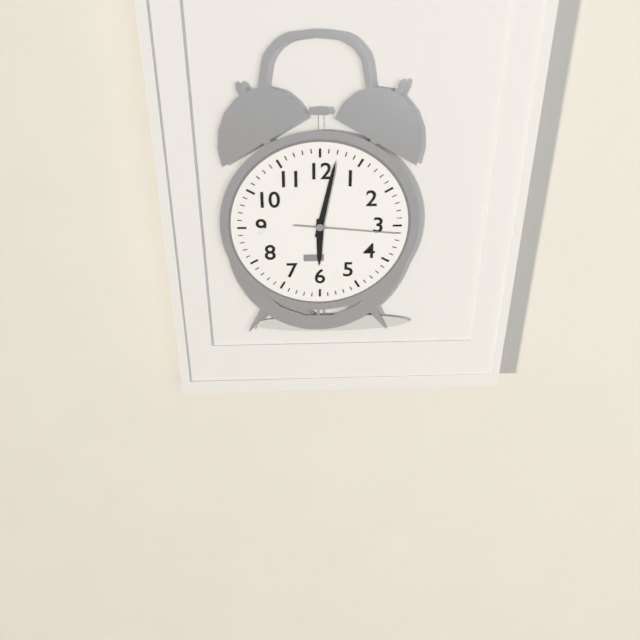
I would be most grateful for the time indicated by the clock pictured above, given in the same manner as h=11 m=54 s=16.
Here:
h=6 m=2 s=16
